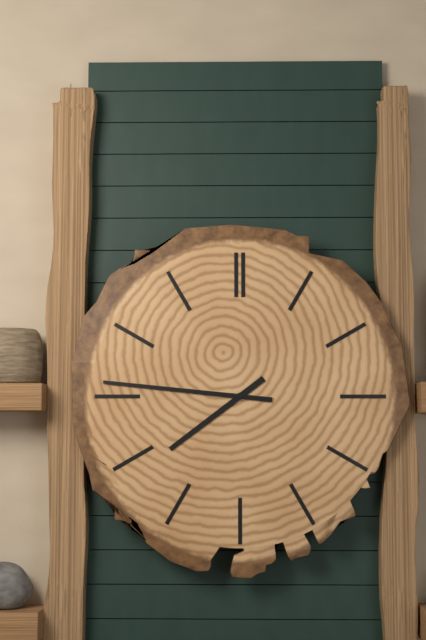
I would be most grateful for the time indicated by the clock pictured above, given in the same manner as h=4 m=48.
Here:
h=7 m=46
